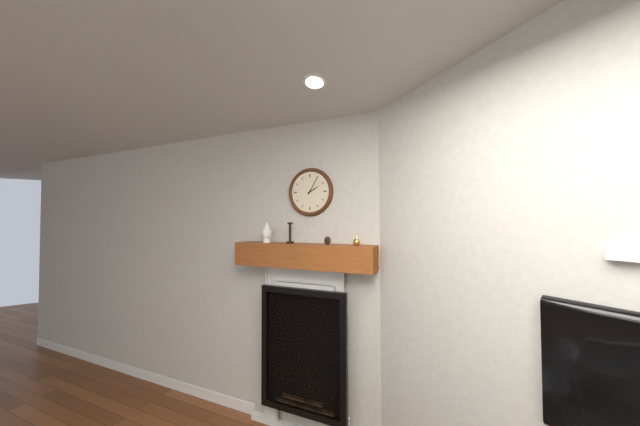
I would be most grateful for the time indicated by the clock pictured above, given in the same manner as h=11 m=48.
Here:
h=2 m=5
